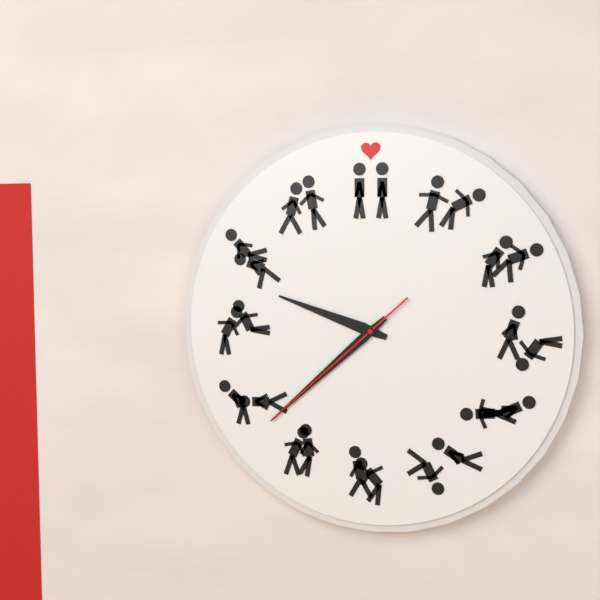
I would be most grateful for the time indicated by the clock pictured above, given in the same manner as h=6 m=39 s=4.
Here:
h=9 m=38 s=38
